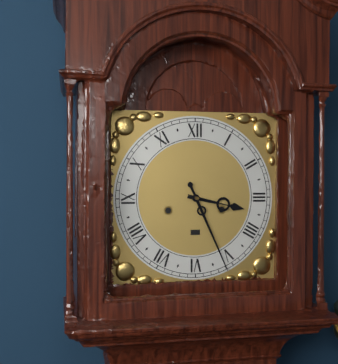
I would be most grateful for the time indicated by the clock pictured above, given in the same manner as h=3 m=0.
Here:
h=3 m=26
